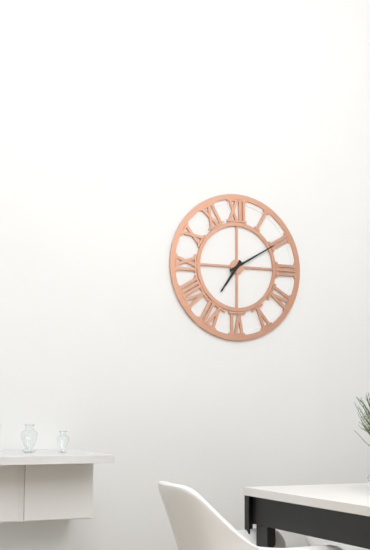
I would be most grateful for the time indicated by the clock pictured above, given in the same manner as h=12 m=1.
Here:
h=7 m=10
